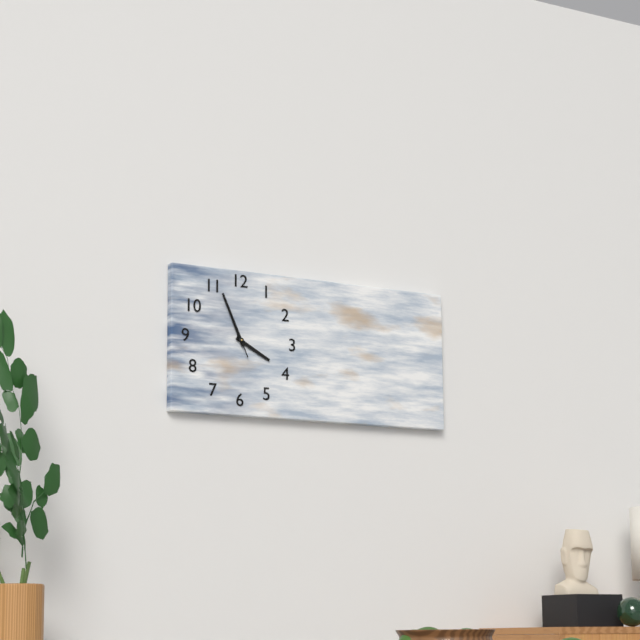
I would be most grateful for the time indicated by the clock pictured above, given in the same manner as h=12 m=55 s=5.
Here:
h=3 m=56 s=56
